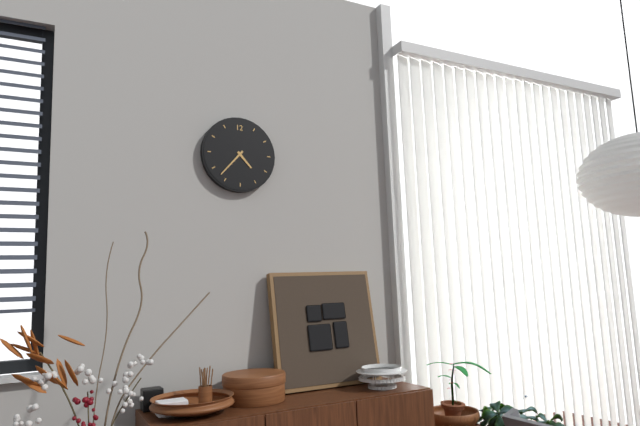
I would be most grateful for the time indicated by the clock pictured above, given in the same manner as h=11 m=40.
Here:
h=4 m=37
